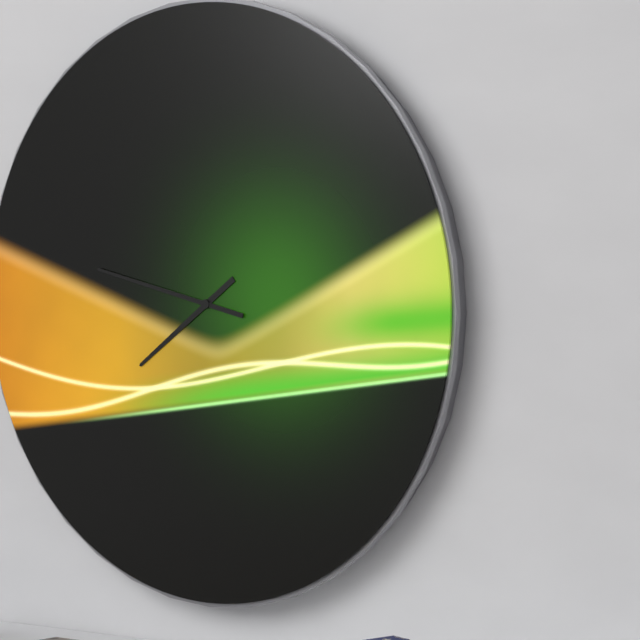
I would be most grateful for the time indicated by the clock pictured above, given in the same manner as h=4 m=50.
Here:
h=7 m=47
